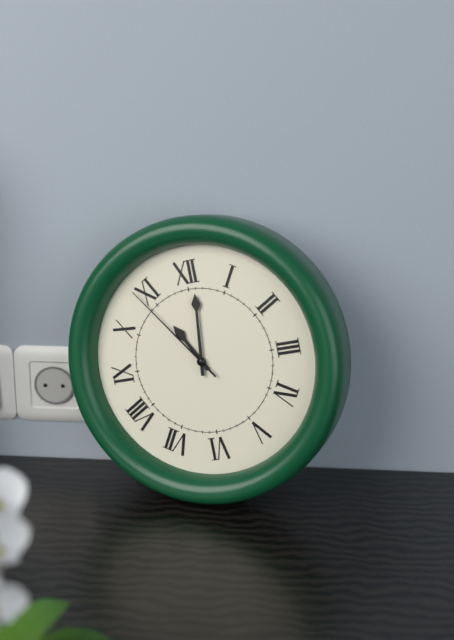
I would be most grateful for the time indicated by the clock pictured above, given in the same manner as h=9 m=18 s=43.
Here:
h=11 m=1 s=54
